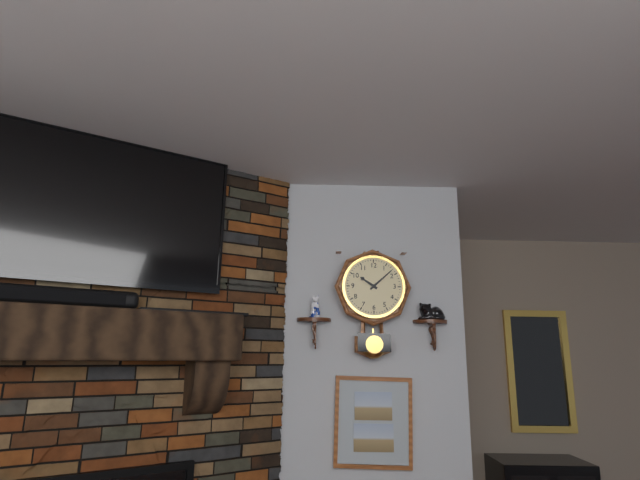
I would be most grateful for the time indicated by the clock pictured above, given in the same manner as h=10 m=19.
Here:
h=10 m=8
